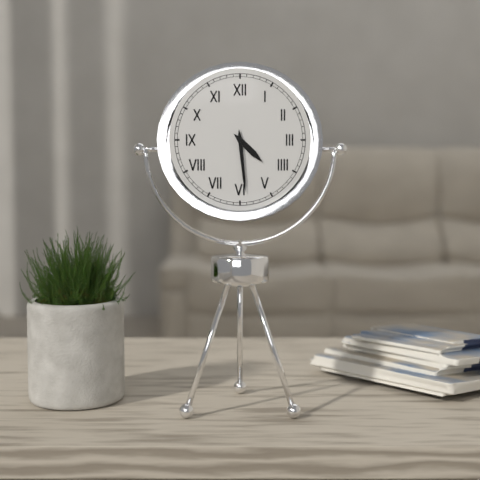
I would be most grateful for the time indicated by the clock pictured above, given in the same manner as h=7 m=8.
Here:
h=4 m=29
